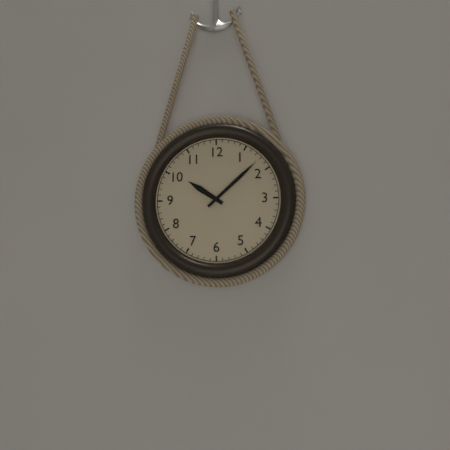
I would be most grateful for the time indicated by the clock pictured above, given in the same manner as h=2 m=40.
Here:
h=10 m=8
